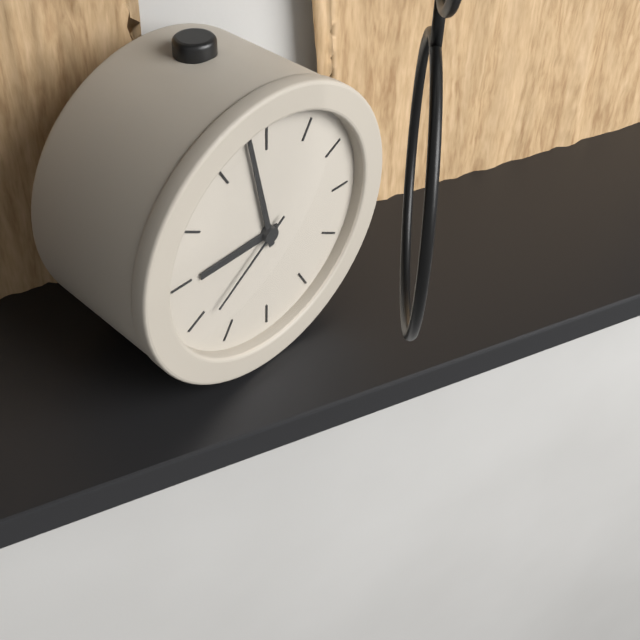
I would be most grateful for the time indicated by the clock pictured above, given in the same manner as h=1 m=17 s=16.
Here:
h=8 m=58 s=39
